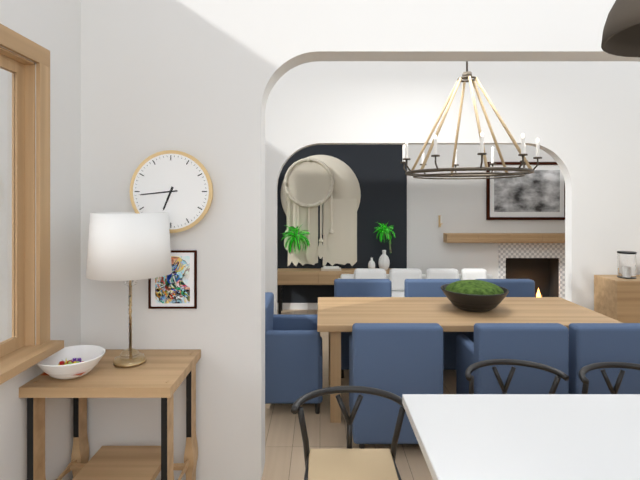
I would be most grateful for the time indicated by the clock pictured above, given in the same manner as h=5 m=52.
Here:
h=6 m=44
